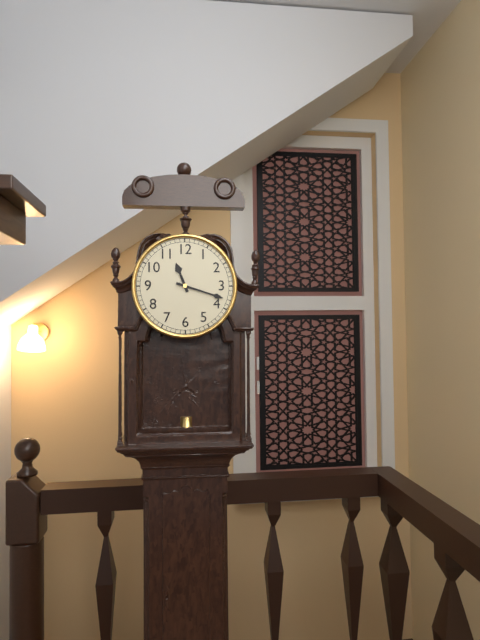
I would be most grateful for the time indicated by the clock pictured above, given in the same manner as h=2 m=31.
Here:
h=11 m=18
